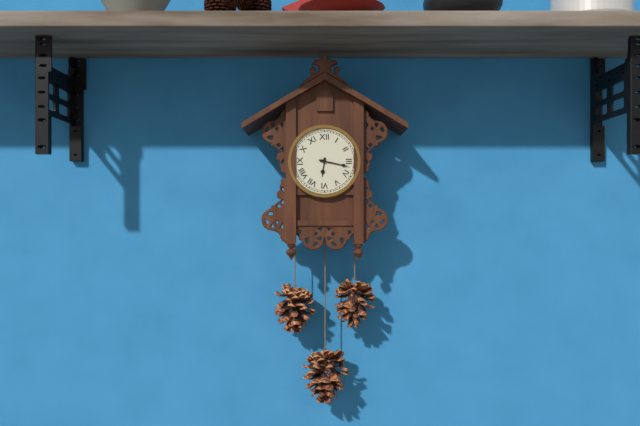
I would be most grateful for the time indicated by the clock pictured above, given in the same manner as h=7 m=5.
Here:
h=6 m=17
